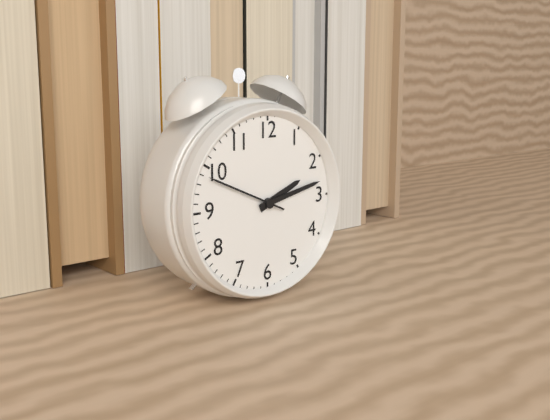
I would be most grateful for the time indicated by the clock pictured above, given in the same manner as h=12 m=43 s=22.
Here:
h=2 m=13 s=49
